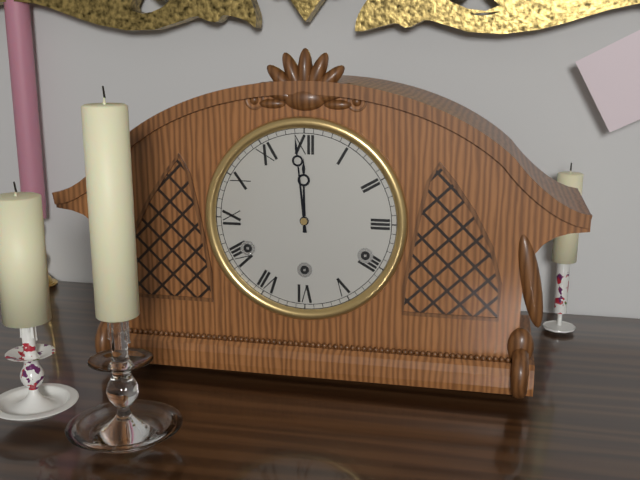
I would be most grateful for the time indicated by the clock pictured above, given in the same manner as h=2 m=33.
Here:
h=11 m=59
